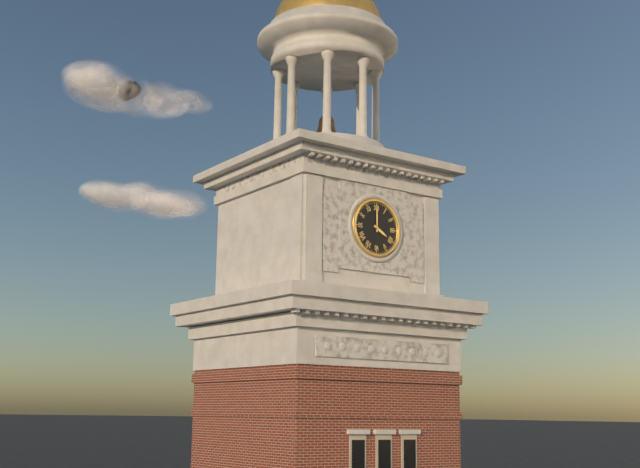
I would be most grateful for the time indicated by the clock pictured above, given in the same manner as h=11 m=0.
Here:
h=4 m=0
